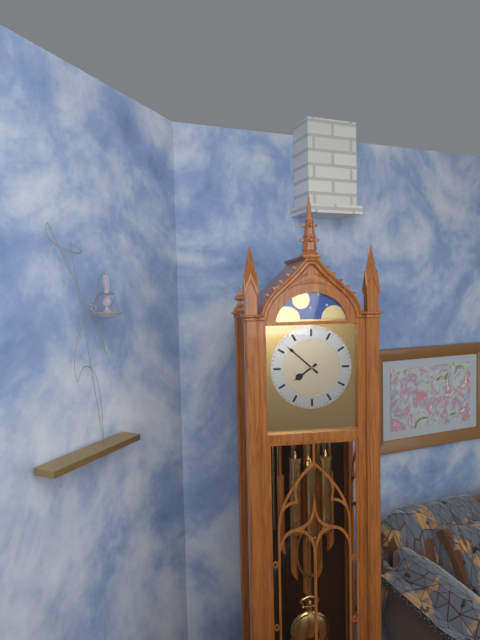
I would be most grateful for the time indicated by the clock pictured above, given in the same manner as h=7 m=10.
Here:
h=7 m=52
